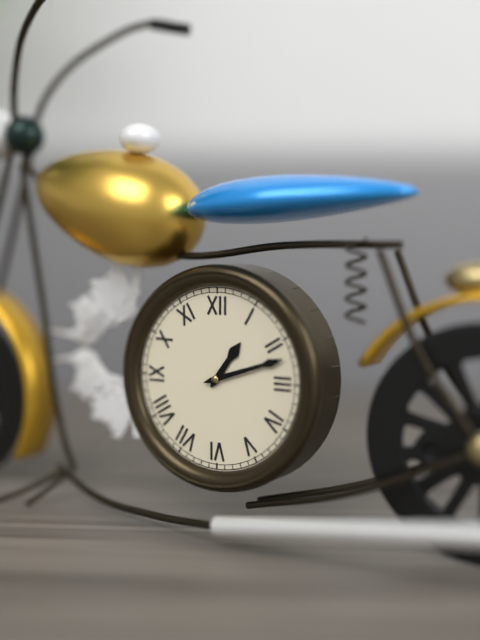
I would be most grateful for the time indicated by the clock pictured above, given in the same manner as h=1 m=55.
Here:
h=1 m=12
